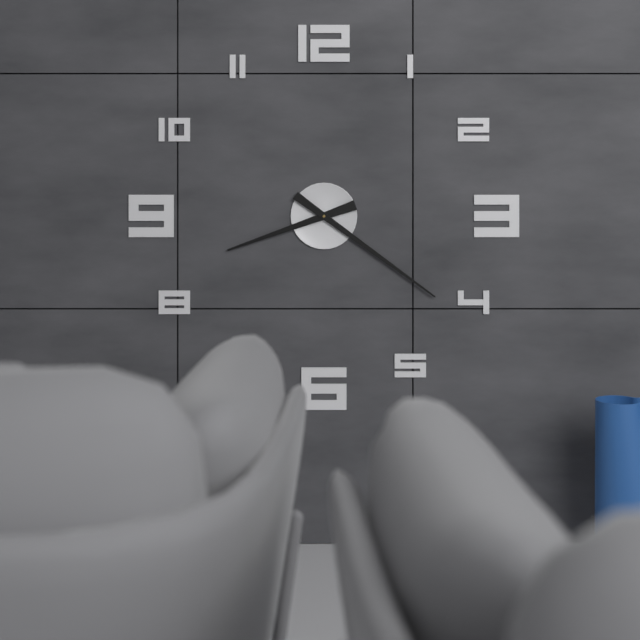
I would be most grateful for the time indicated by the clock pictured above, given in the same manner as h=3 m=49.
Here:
h=8 m=21
